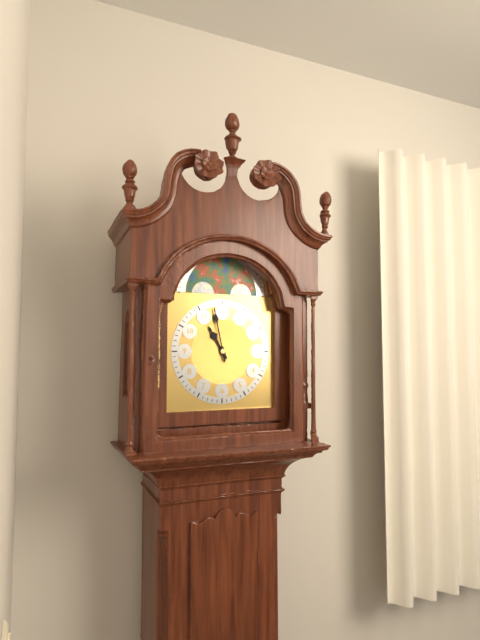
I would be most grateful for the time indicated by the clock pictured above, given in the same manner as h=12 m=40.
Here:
h=10 m=58
